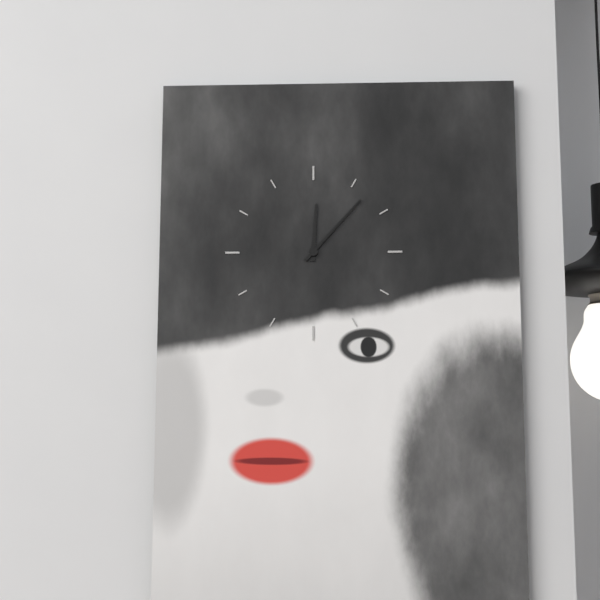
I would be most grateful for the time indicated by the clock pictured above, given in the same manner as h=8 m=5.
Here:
h=12 m=7
